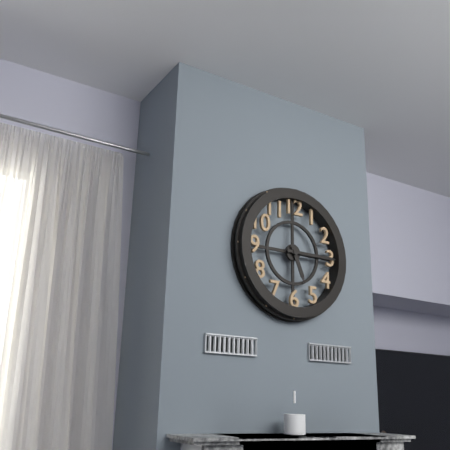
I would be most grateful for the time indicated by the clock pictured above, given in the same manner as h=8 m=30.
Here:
h=5 m=15
